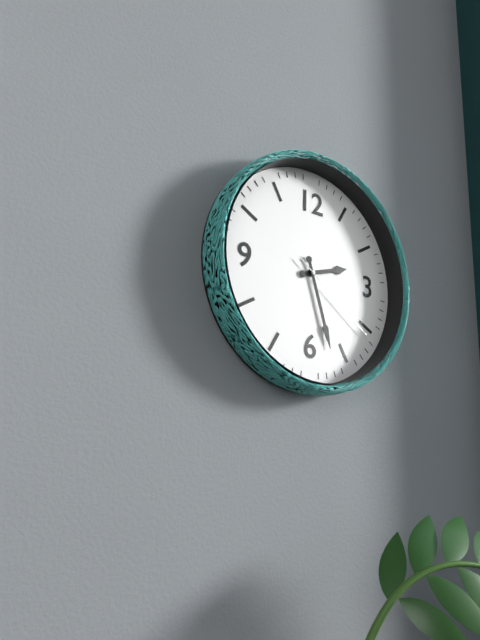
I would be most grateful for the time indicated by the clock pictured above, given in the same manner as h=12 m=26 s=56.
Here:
h=2 m=27 s=21
